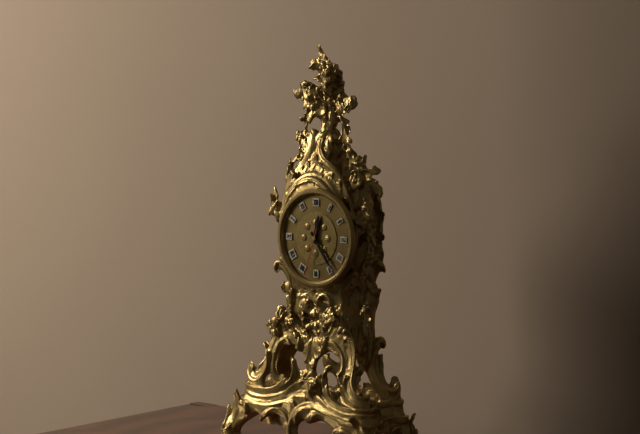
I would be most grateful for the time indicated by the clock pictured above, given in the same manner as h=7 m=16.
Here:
h=12 m=24
